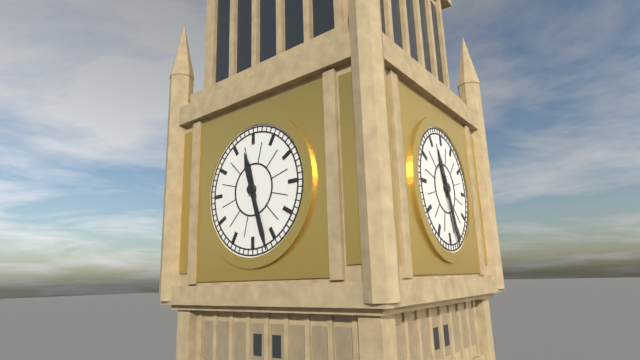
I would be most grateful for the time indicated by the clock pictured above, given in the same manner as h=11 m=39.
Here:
h=11 m=27
